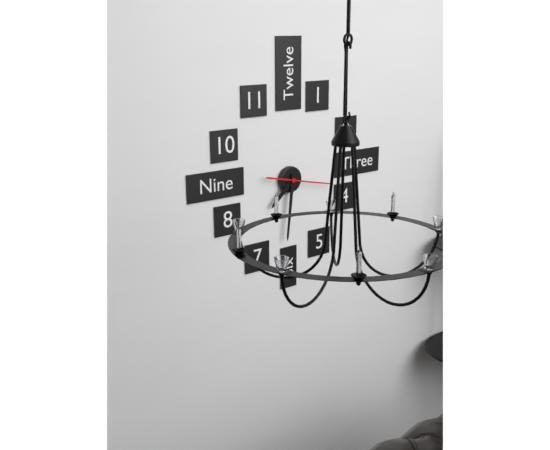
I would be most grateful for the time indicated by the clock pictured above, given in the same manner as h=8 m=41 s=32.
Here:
h=7 m=31 s=17
